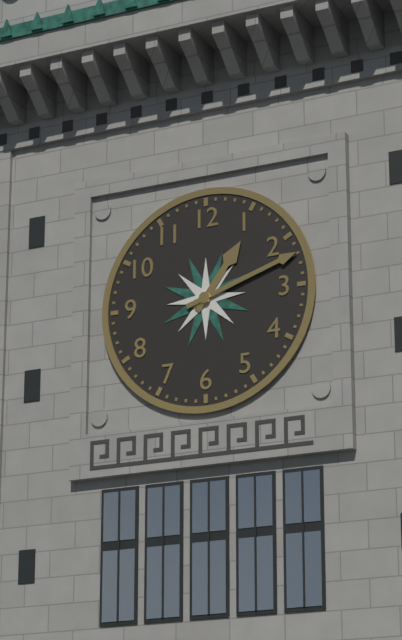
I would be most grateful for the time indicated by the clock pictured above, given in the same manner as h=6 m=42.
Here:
h=1 m=12
